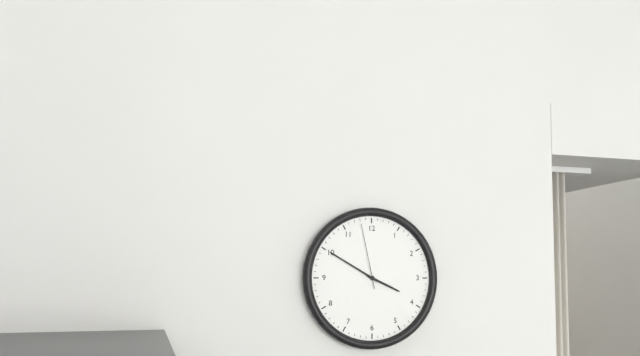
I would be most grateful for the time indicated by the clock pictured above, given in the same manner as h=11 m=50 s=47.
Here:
h=3 m=50 s=58
